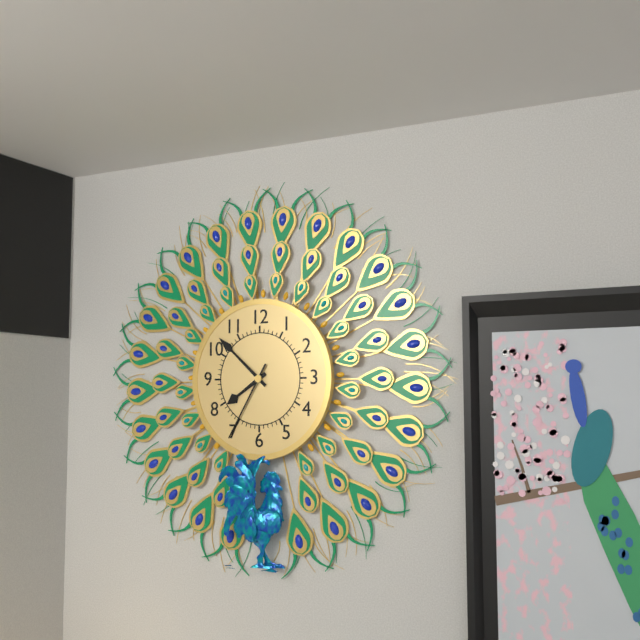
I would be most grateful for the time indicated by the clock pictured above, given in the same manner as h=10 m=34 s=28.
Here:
h=7 m=52 s=35
